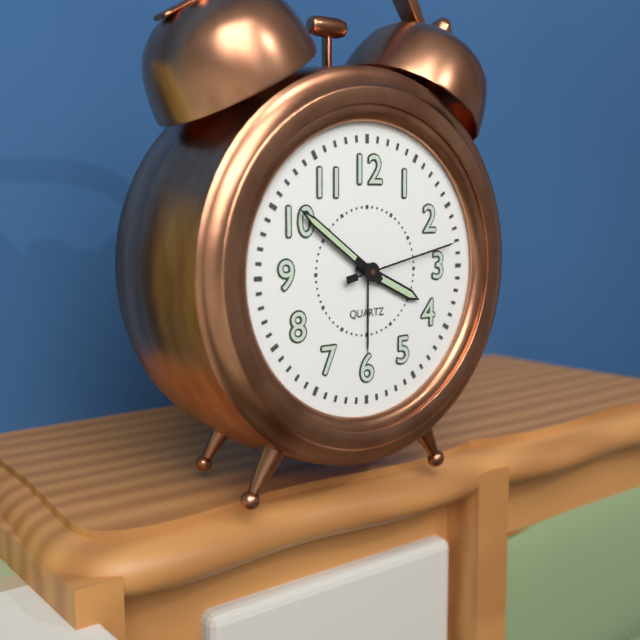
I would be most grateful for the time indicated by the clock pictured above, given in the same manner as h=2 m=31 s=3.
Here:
h=3 m=51 s=13
